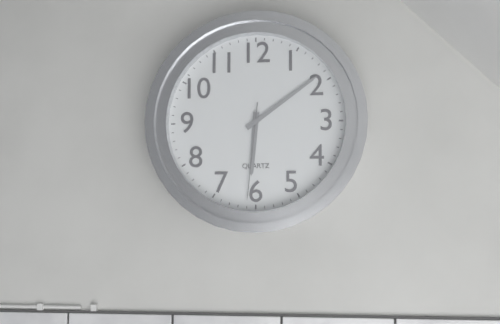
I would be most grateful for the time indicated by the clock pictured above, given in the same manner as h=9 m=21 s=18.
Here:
h=6 m=9 s=31
